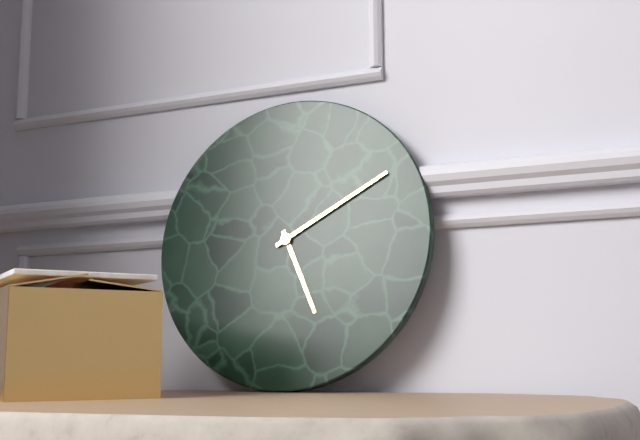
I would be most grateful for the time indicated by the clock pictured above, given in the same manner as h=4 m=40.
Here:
h=5 m=10
